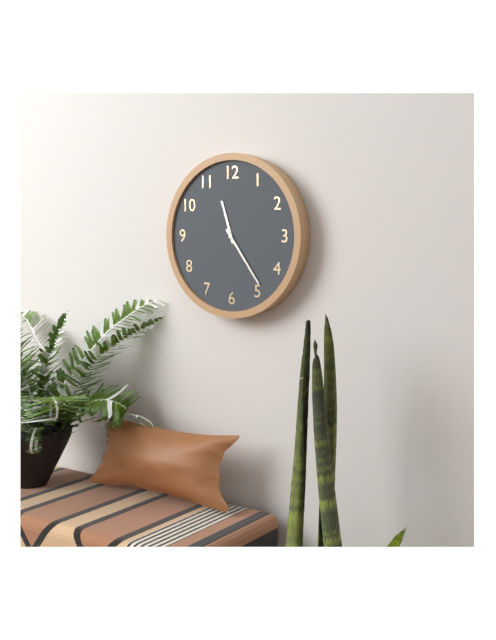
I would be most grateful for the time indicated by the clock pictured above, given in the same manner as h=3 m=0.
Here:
h=11 m=24
